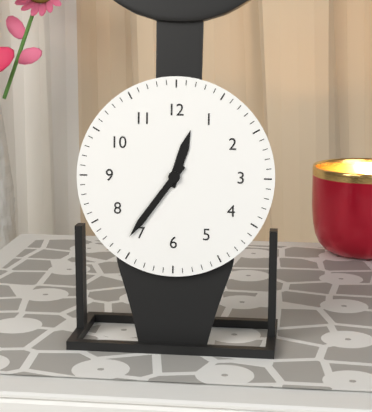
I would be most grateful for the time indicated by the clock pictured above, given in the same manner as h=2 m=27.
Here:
h=12 m=36
